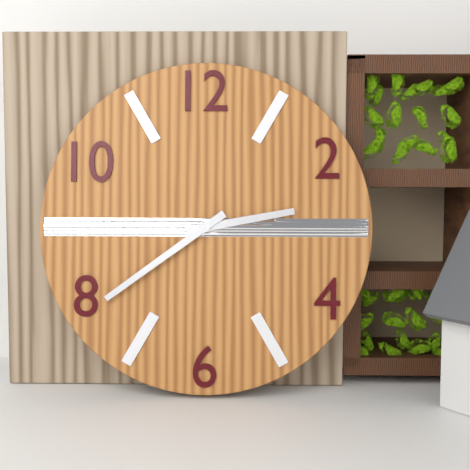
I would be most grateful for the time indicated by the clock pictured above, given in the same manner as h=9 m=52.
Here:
h=2 m=39
